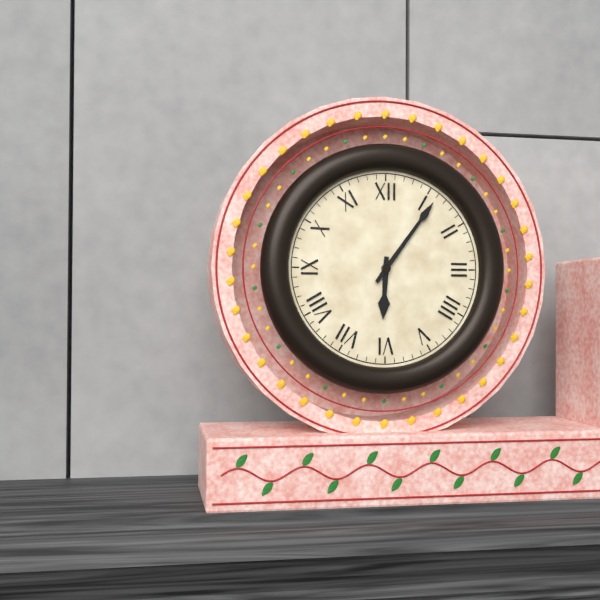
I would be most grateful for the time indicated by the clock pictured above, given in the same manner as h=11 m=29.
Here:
h=6 m=6
